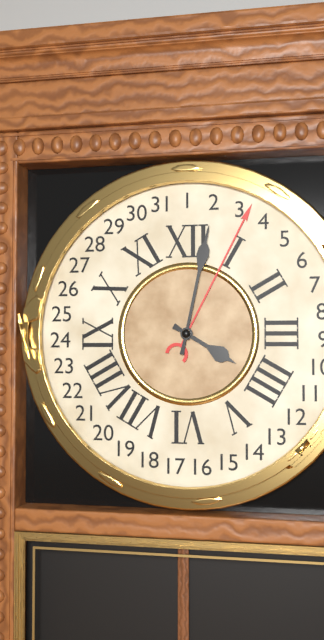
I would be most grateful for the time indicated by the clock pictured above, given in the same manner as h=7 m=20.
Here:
h=4 m=2
